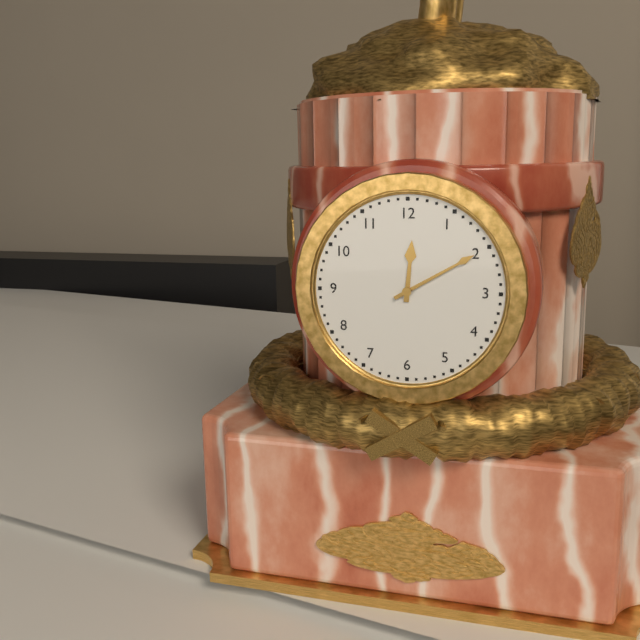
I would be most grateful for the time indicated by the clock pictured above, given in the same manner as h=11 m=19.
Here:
h=12 m=10
